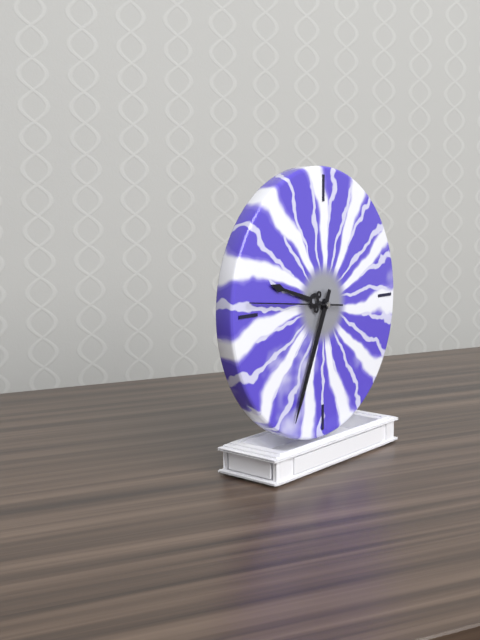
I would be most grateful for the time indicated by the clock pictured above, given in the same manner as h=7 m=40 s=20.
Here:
h=9 m=34 s=46
